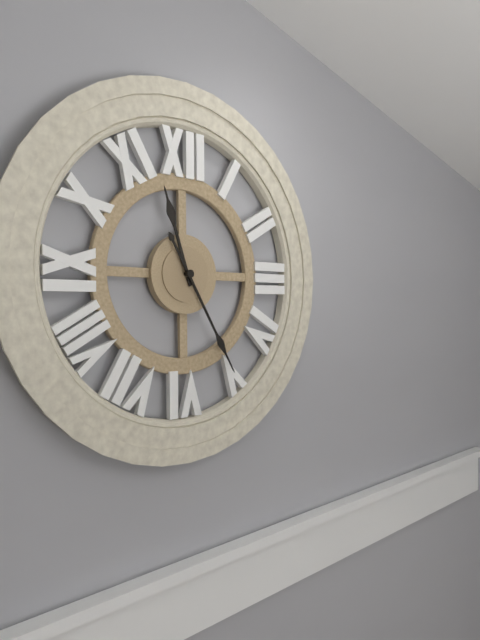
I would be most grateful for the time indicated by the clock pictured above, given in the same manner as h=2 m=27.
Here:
h=11 m=25
